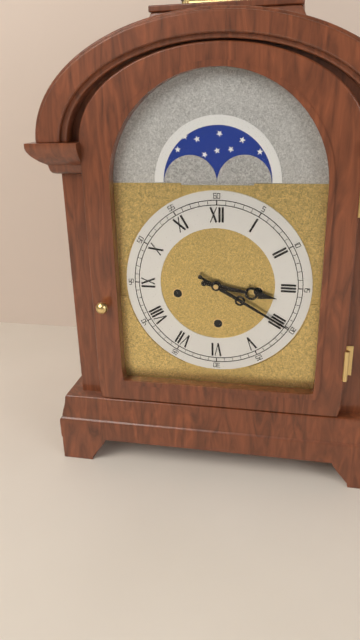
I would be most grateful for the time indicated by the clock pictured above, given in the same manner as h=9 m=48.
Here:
h=3 m=20
